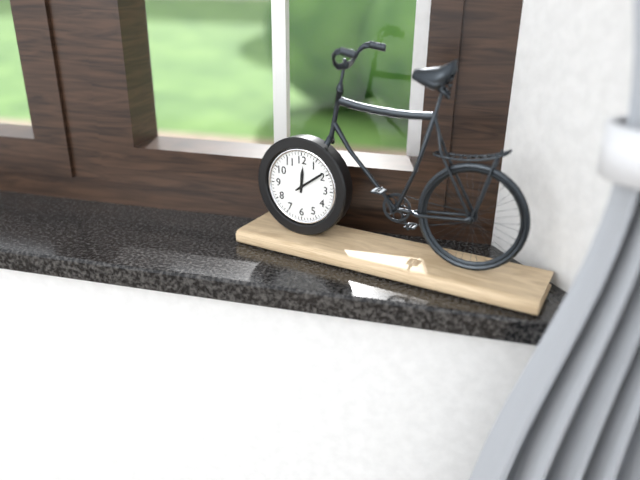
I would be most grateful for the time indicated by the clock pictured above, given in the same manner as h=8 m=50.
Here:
h=12 m=9
